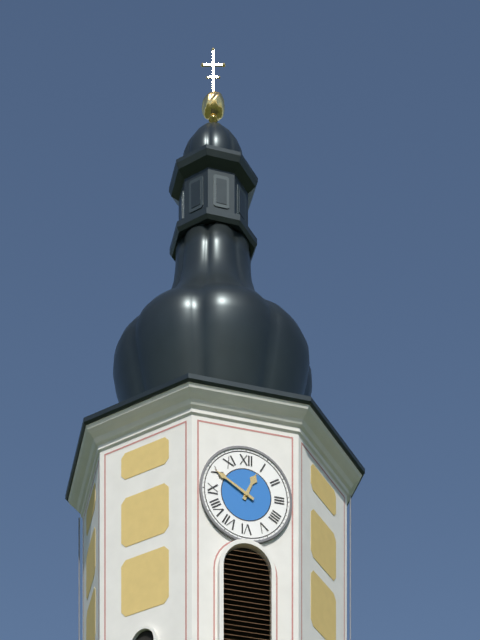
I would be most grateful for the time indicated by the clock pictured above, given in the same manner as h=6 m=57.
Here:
h=12 m=50
